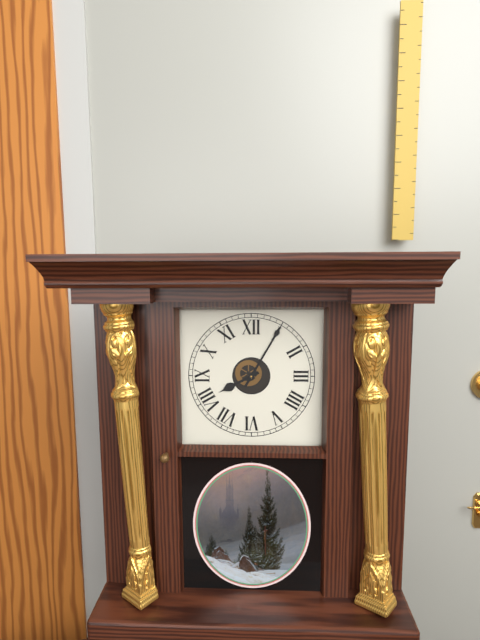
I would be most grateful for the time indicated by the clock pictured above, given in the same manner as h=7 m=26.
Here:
h=8 m=5
